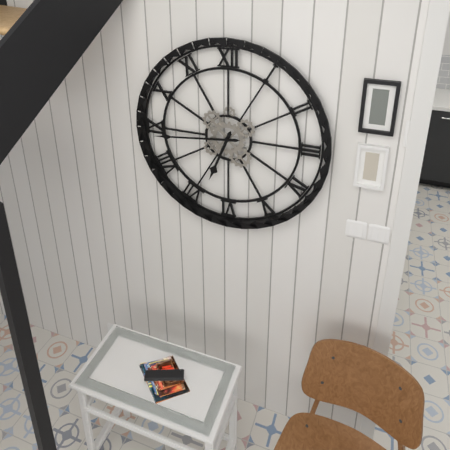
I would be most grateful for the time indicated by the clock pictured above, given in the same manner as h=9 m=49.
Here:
h=6 m=44
